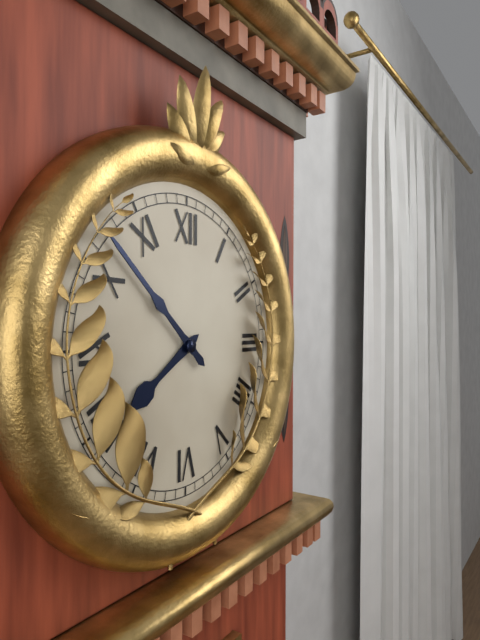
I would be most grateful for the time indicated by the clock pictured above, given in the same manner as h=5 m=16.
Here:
h=7 m=52
